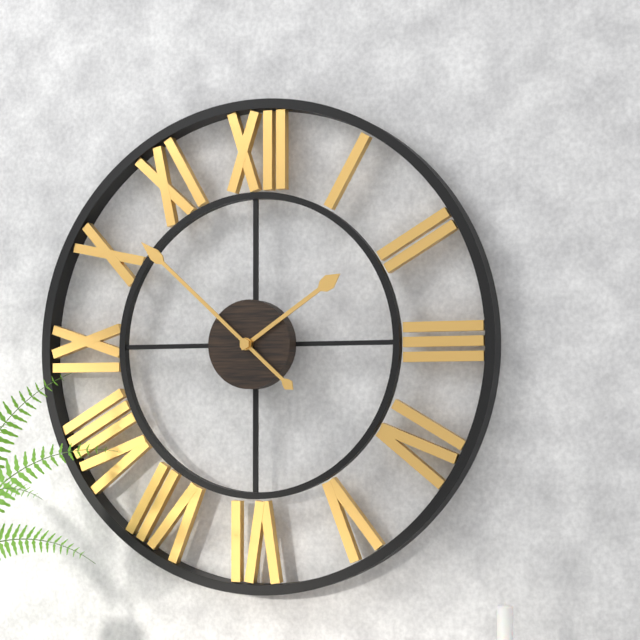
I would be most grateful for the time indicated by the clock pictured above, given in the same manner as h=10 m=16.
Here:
h=1 m=52
